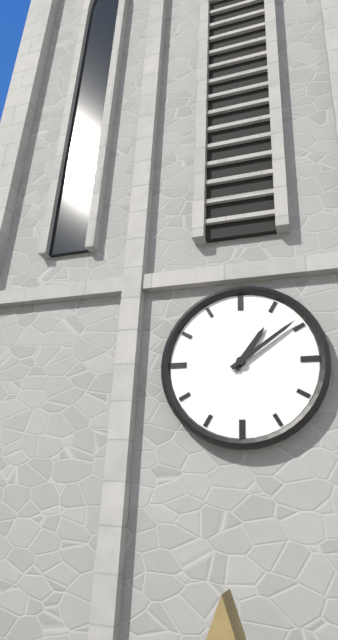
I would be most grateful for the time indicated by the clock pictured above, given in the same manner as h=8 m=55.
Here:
h=1 m=9
